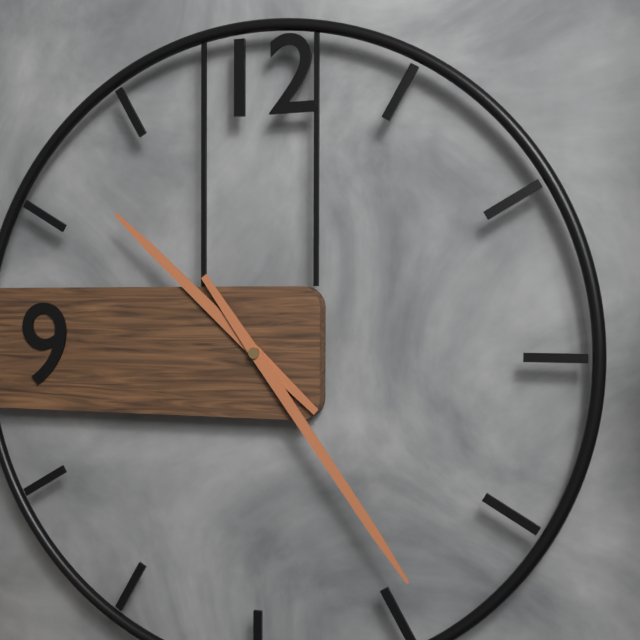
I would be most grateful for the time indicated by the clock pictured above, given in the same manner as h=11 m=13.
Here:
h=10 m=24
